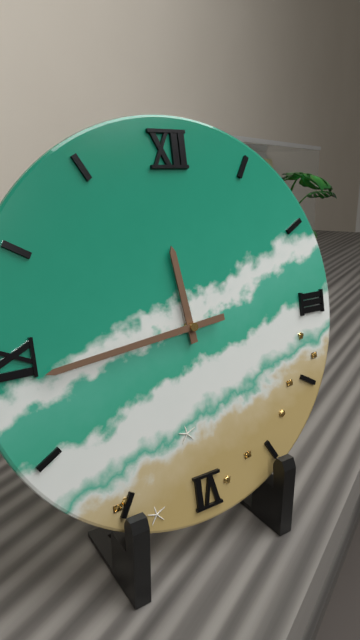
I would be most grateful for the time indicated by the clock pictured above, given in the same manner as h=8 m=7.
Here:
h=11 m=44
